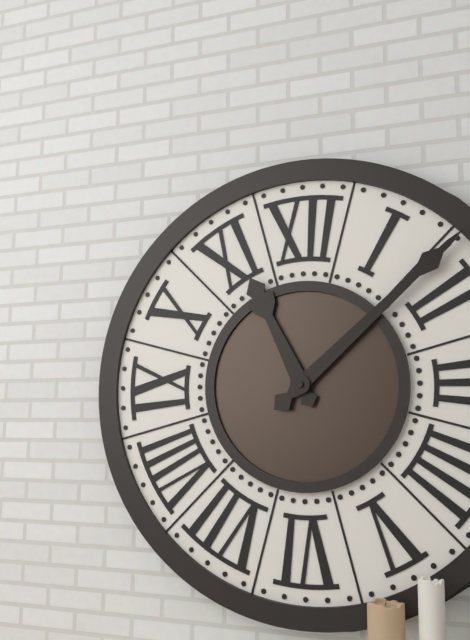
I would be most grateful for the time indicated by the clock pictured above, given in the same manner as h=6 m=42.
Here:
h=11 m=8
